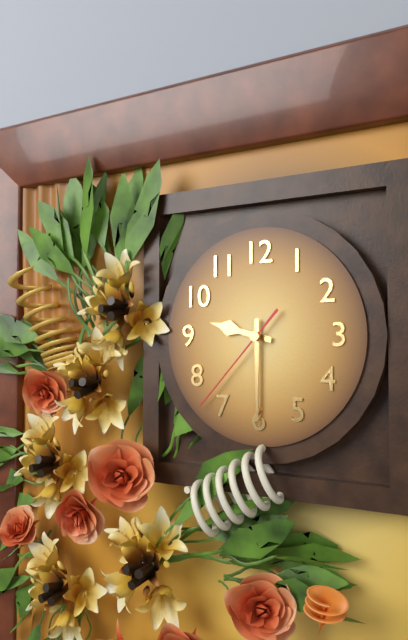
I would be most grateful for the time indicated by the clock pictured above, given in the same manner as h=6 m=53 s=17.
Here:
h=9 m=30 s=37
